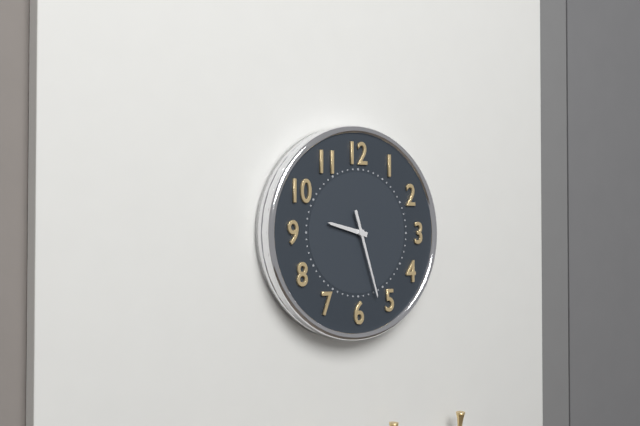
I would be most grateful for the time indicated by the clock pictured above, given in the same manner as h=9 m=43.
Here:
h=9 m=27
